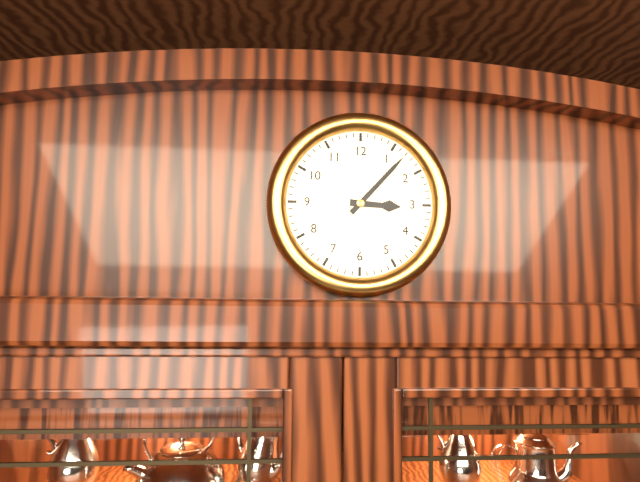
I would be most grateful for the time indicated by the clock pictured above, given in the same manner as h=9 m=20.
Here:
h=3 m=7
